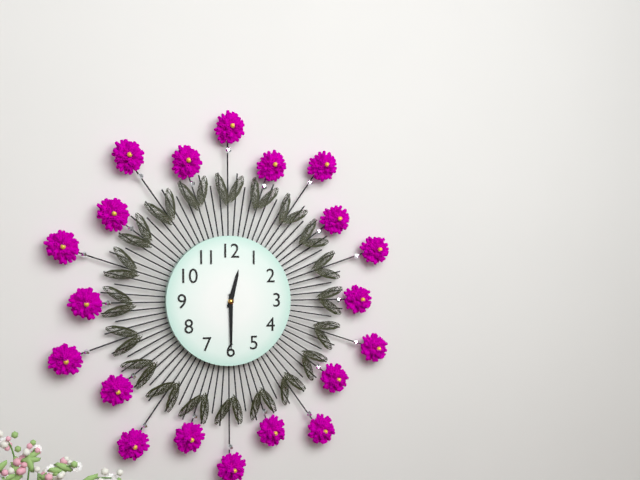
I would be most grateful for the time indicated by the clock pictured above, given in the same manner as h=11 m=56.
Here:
h=12 m=30
